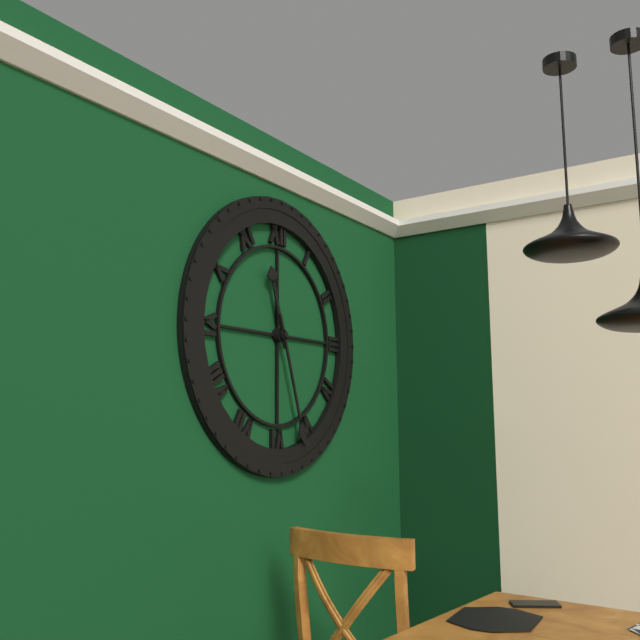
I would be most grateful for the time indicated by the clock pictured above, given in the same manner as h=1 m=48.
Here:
h=11 m=27
